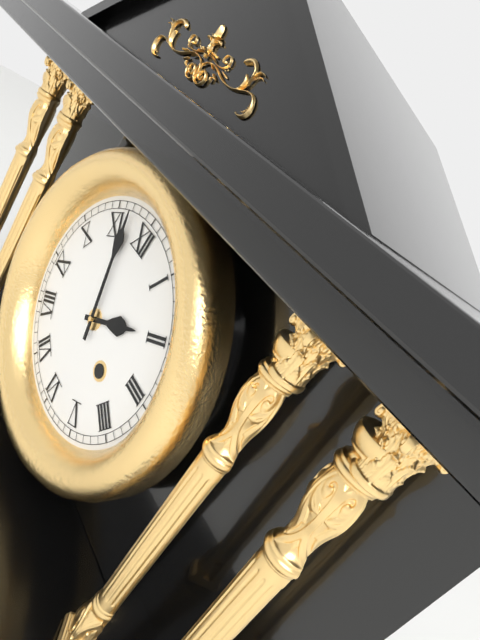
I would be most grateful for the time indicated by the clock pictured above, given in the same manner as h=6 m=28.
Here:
h=1 m=57
